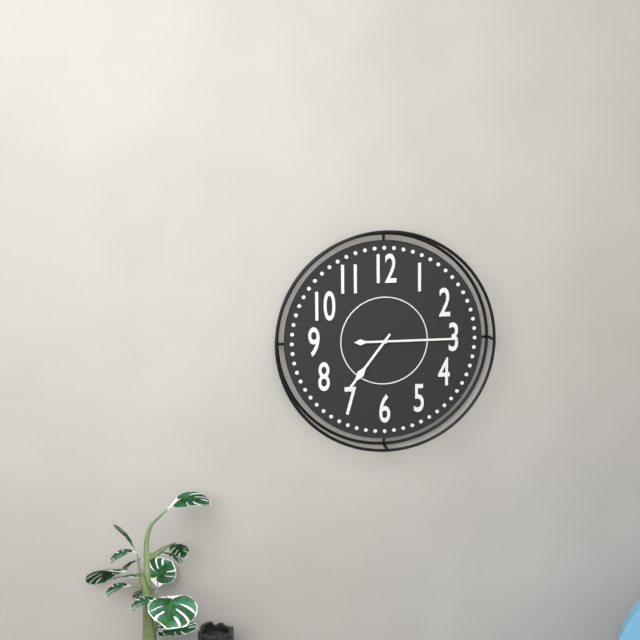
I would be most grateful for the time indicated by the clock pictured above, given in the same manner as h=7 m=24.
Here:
h=7 m=15
